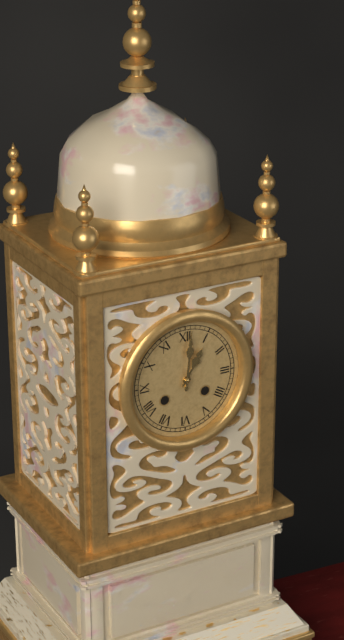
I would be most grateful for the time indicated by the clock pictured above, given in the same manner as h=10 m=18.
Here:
h=1 m=1
